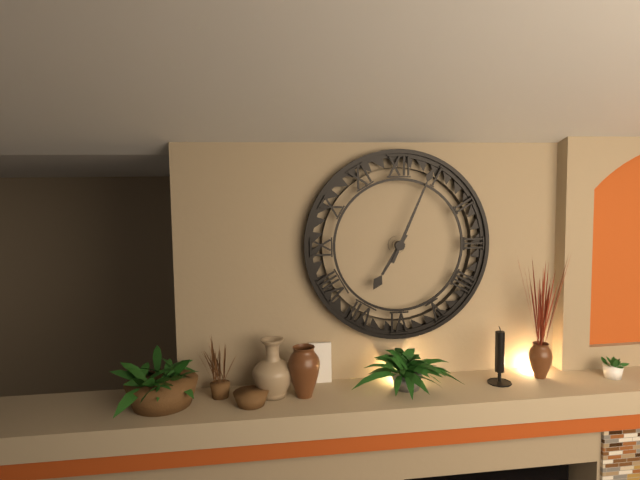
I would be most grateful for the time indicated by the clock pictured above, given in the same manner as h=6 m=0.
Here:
h=7 m=4
